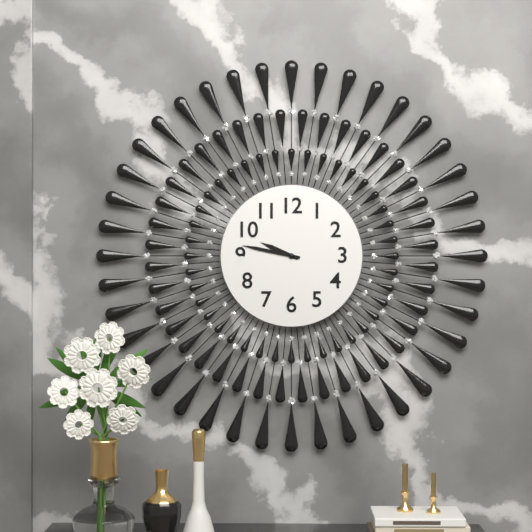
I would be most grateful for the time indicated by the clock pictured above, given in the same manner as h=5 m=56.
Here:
h=9 m=47
